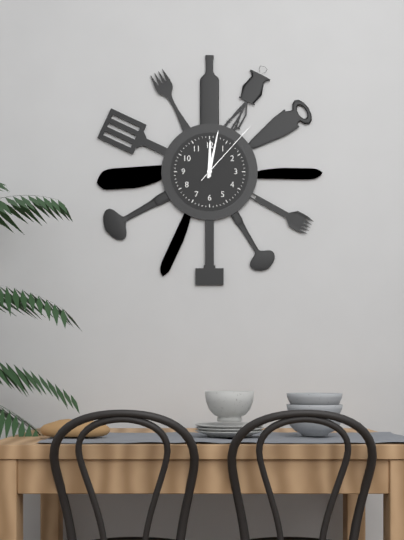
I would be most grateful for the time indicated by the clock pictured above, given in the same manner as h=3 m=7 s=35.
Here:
h=12 m=2 s=7
